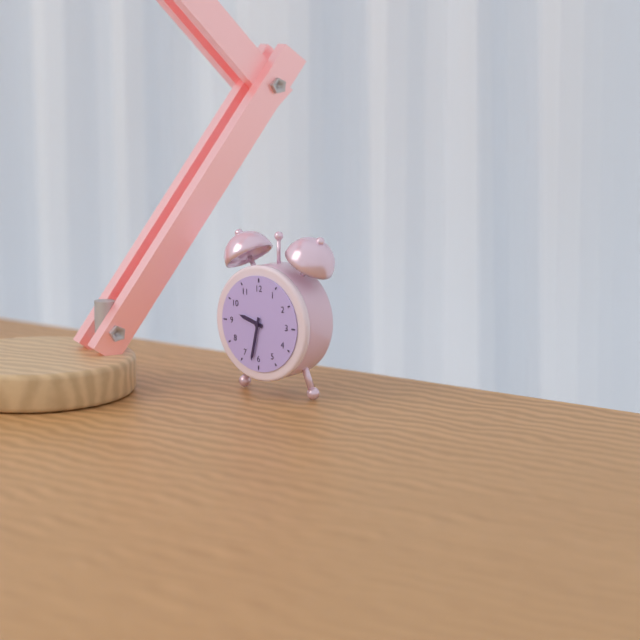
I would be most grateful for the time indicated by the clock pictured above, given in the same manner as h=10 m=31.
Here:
h=9 m=32
